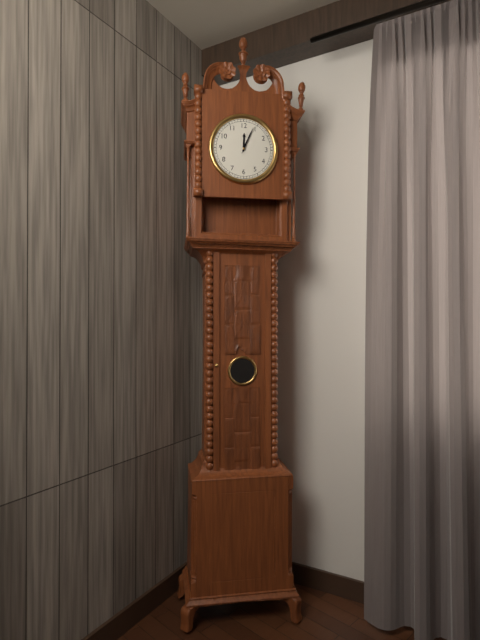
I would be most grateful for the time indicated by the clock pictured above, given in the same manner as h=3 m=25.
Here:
h=12 m=4
